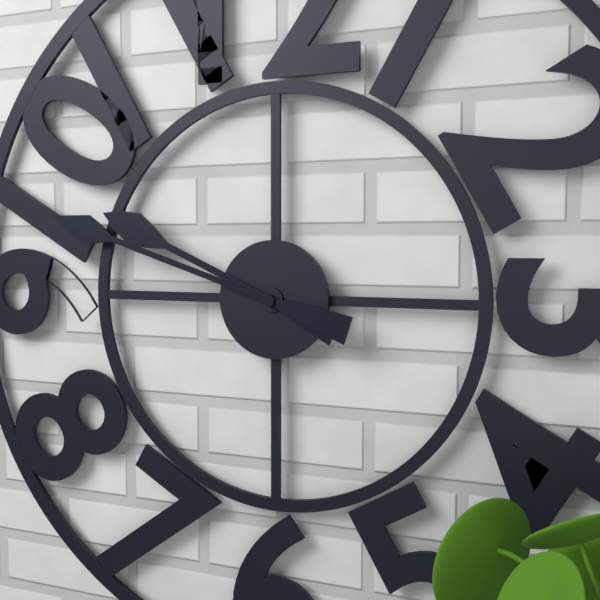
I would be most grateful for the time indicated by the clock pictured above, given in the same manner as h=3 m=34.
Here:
h=9 m=48
